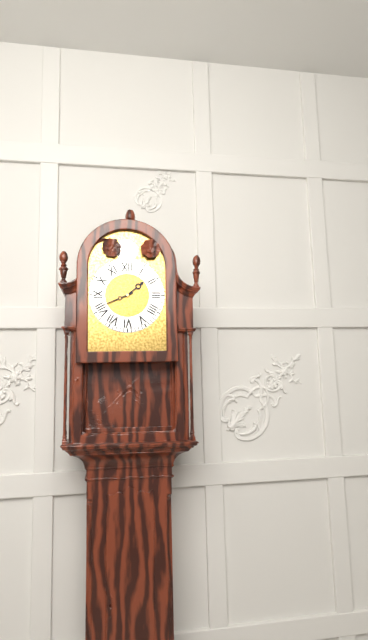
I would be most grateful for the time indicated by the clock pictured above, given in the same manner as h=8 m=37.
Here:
h=1 m=41
